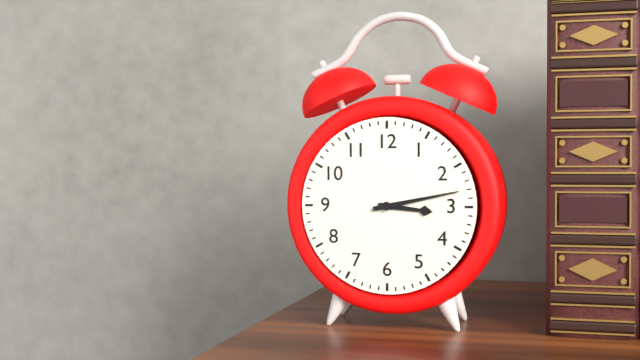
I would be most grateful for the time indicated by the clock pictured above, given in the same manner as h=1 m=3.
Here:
h=3 m=13
